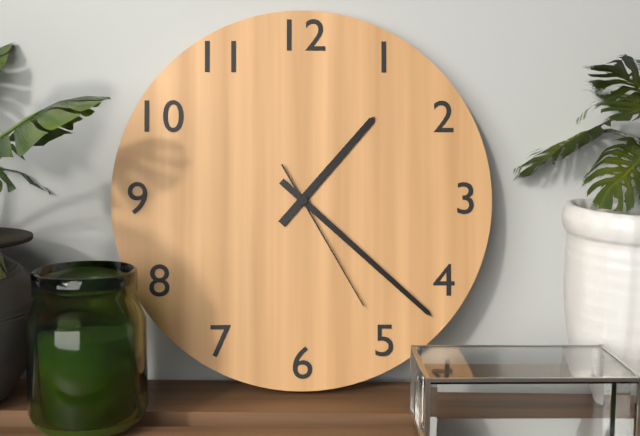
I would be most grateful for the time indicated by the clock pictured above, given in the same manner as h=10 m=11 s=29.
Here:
h=1 m=22 s=25
